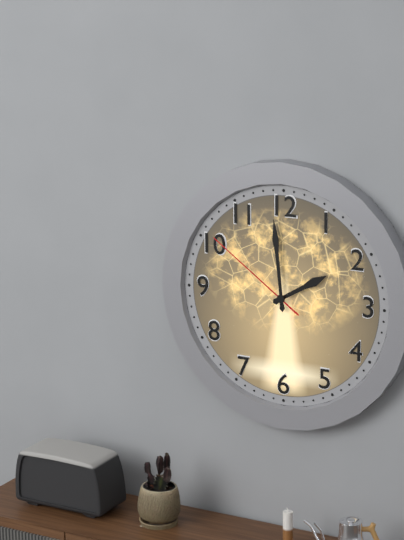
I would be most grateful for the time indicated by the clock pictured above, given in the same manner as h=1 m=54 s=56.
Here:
h=1 m=59 s=51
